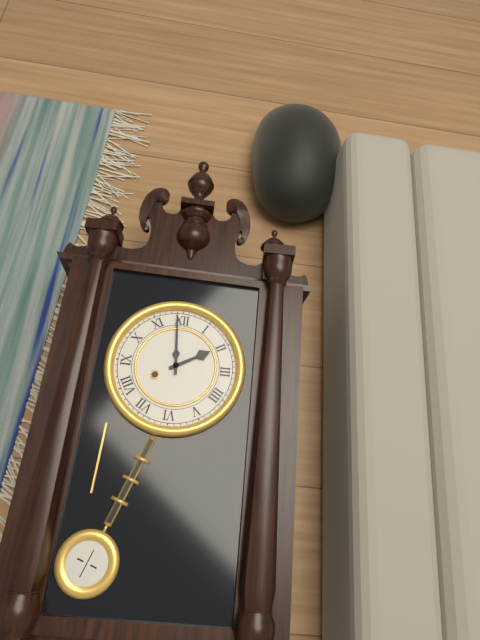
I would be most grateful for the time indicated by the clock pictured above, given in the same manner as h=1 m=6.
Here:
h=1 m=59
